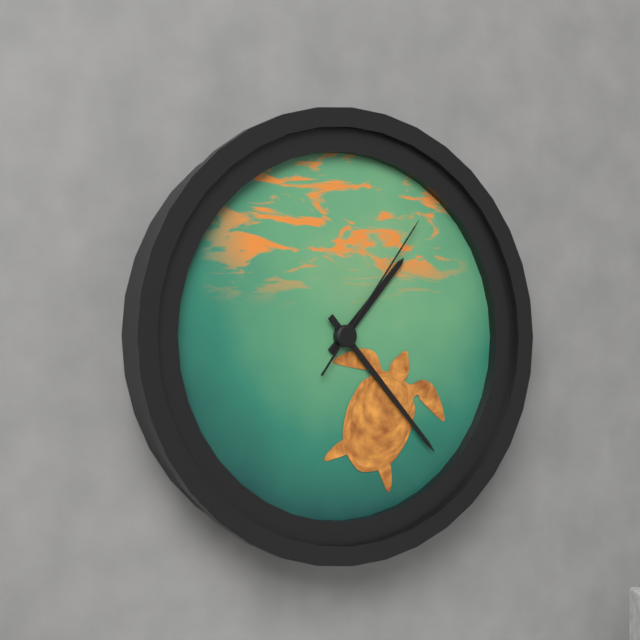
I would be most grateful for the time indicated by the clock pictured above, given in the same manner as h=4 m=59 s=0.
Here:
h=1 m=23 s=6
